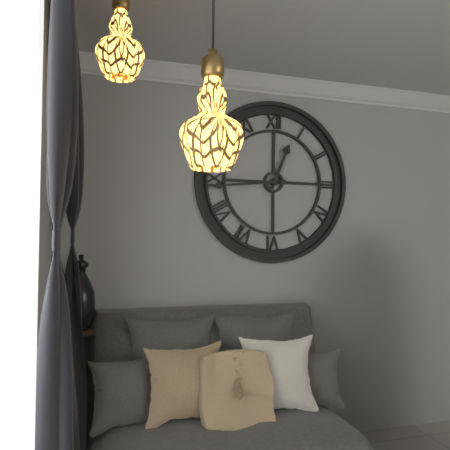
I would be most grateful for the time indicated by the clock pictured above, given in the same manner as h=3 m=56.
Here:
h=12 m=44
